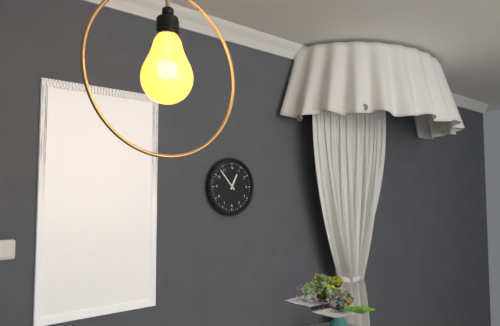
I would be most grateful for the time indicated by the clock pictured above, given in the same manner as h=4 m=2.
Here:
h=12 m=53
